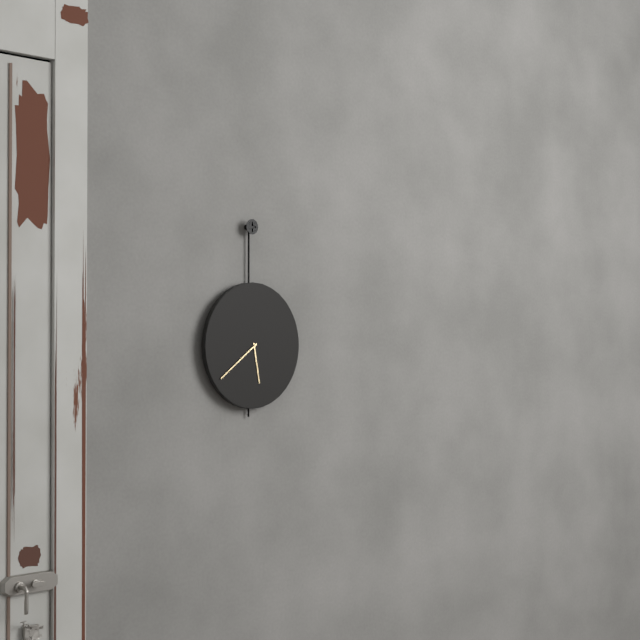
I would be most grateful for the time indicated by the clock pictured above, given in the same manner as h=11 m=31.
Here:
h=5 m=39
